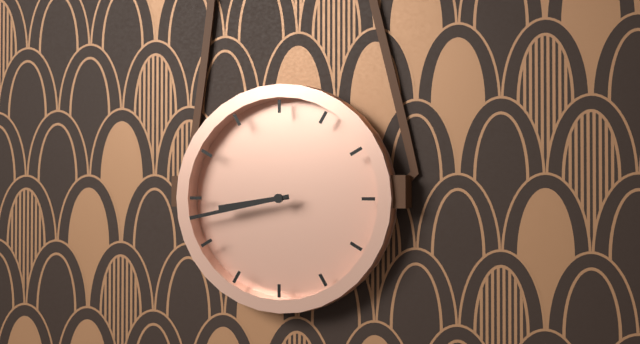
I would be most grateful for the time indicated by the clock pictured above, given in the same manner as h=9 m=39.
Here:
h=8 m=43
